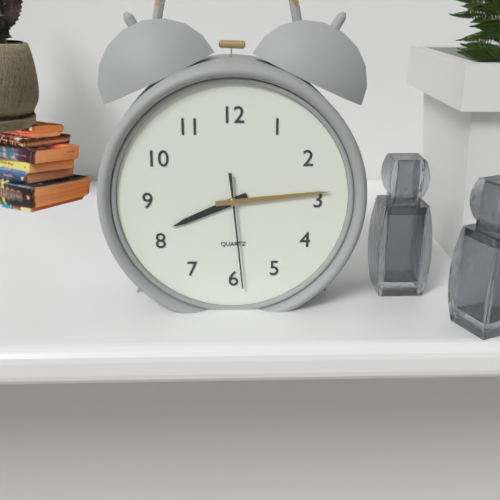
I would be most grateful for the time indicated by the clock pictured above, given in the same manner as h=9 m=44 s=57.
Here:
h=8 m=14 s=29
